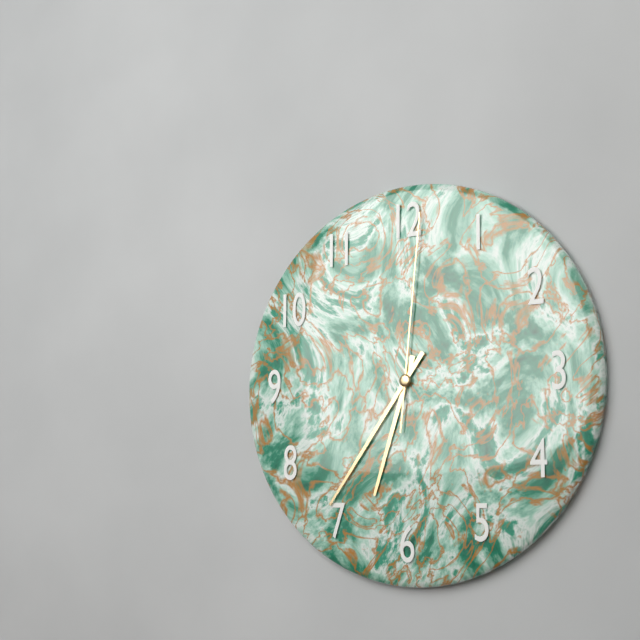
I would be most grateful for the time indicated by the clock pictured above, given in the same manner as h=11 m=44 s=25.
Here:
h=6 m=36 s=1
